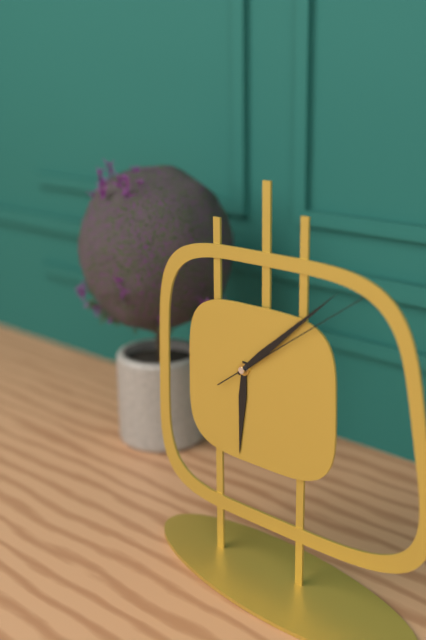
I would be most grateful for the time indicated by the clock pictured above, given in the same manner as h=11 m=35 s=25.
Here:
h=6 m=8 s=9
